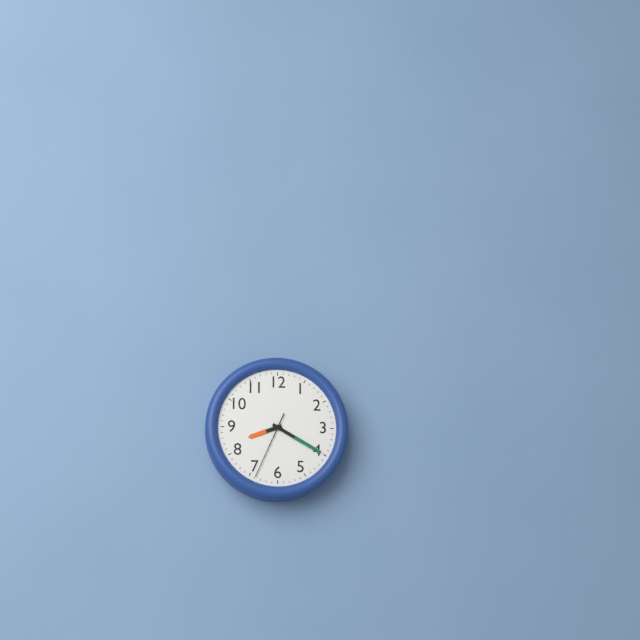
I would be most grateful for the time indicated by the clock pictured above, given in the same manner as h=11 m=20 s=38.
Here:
h=8 m=20 s=34
